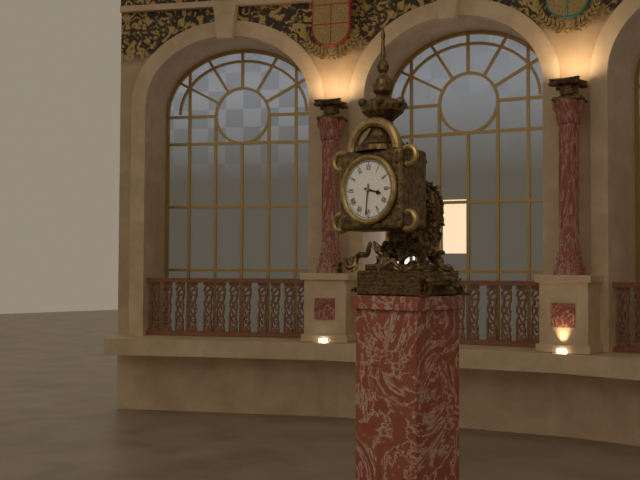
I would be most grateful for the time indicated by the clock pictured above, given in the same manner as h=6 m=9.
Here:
h=3 m=31
